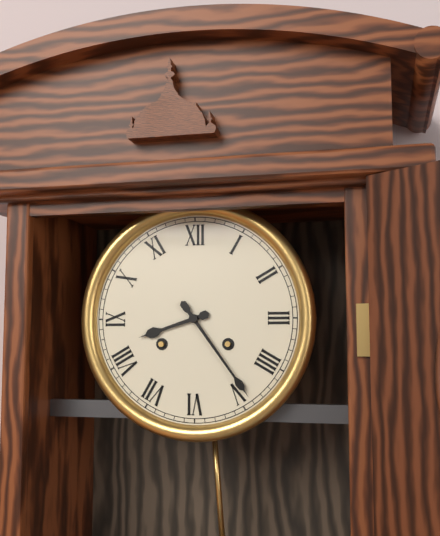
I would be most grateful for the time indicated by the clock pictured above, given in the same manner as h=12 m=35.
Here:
h=8 m=24
